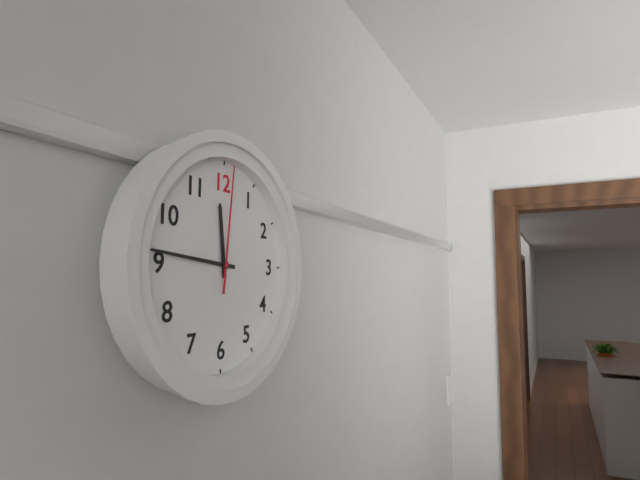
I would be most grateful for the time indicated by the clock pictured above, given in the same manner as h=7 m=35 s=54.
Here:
h=11 m=46 s=1
